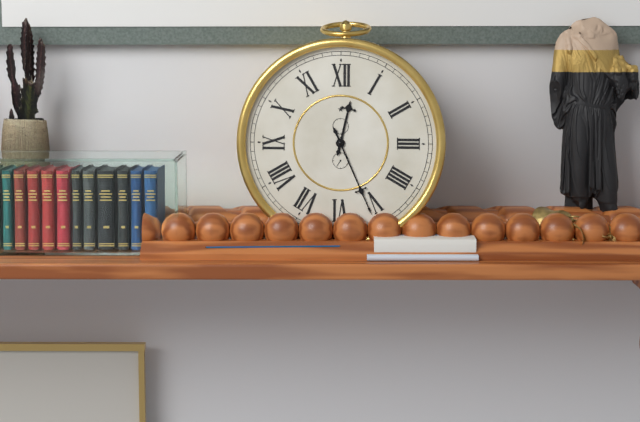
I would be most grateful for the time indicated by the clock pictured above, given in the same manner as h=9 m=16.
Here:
h=12 m=26
